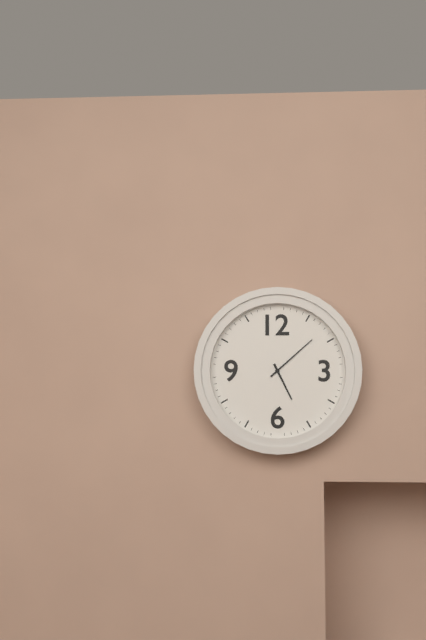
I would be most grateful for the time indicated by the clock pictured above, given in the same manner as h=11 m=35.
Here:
h=5 m=8
